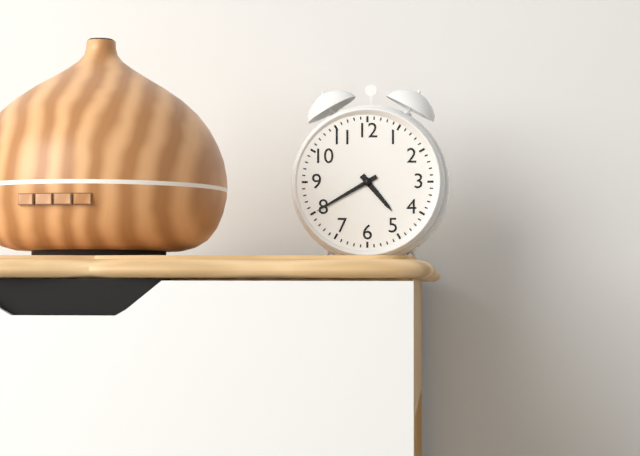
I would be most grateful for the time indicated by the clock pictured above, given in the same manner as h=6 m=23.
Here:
h=4 m=40
